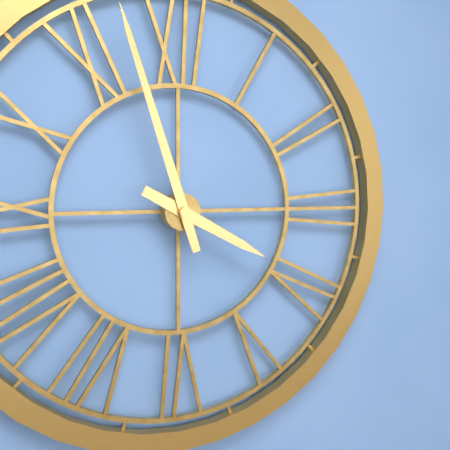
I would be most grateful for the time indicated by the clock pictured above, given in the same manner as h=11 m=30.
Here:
h=3 m=57
